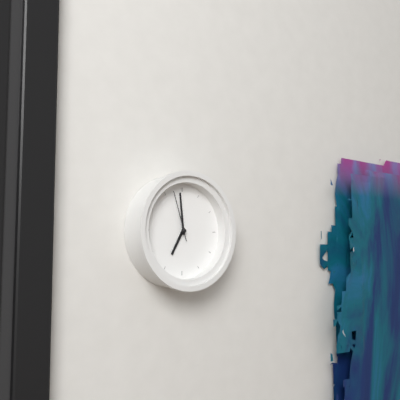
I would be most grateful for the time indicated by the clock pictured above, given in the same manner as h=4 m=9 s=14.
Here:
h=6 m=59 s=57
